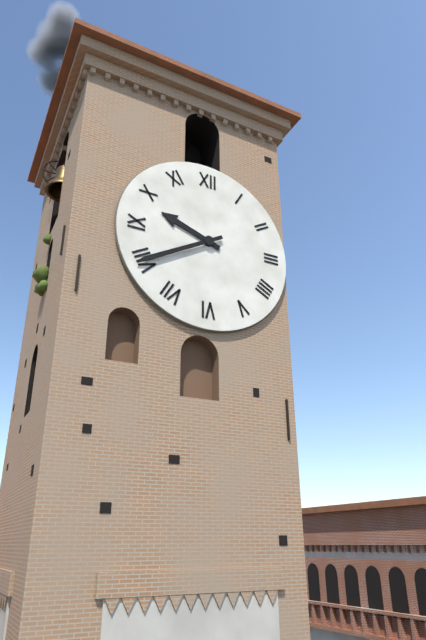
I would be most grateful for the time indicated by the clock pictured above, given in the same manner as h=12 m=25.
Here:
h=9 m=40
